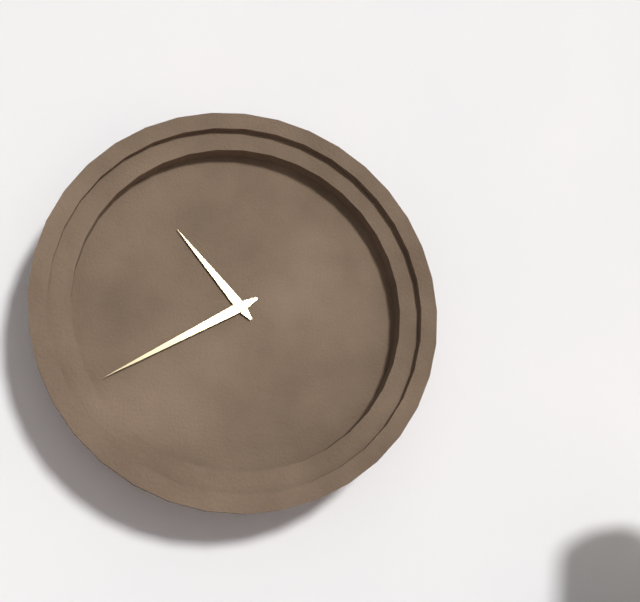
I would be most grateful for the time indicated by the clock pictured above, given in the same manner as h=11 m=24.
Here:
h=10 m=40
